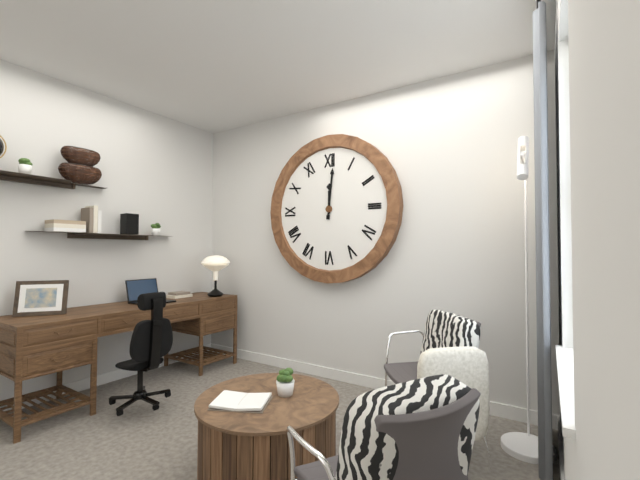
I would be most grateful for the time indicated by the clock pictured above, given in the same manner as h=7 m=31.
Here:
h=12 m=1
